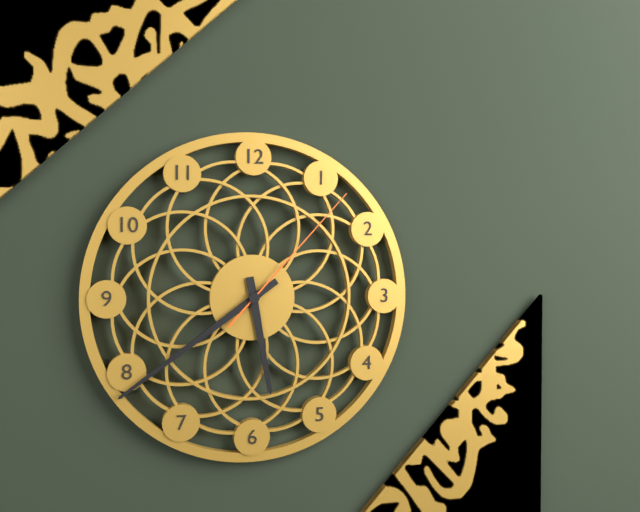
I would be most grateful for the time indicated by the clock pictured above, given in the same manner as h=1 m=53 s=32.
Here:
h=5 m=39 s=7
